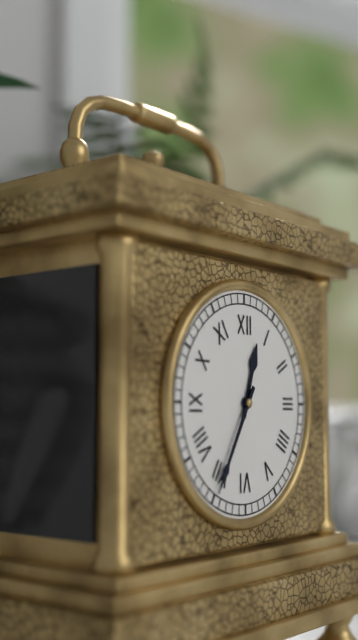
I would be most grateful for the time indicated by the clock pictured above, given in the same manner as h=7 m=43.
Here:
h=12 m=35
